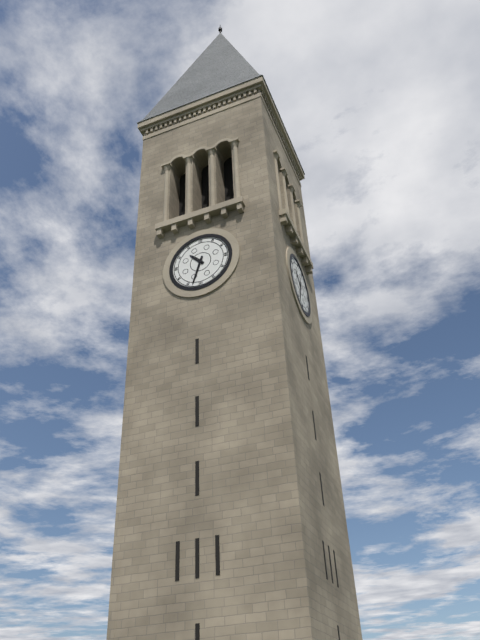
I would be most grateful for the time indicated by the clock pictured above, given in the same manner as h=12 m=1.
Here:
h=10 m=33
